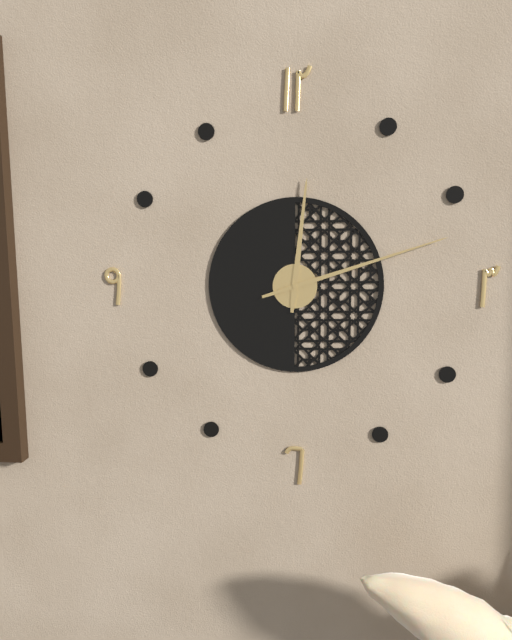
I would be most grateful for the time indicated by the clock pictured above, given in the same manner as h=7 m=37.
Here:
h=12 m=12
